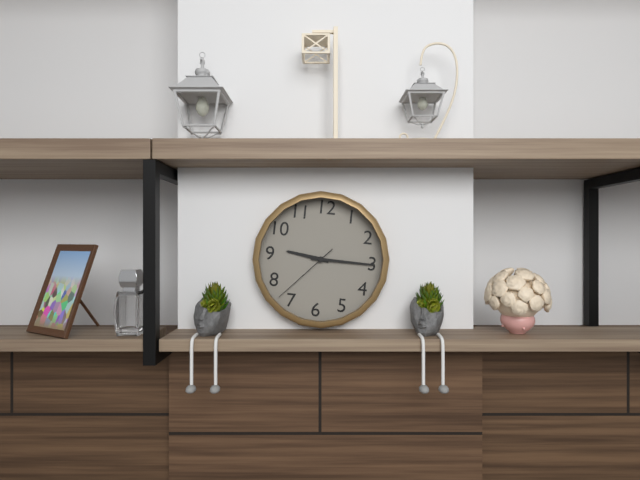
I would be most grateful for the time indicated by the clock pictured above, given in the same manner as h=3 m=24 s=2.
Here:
h=9 m=15 s=37
